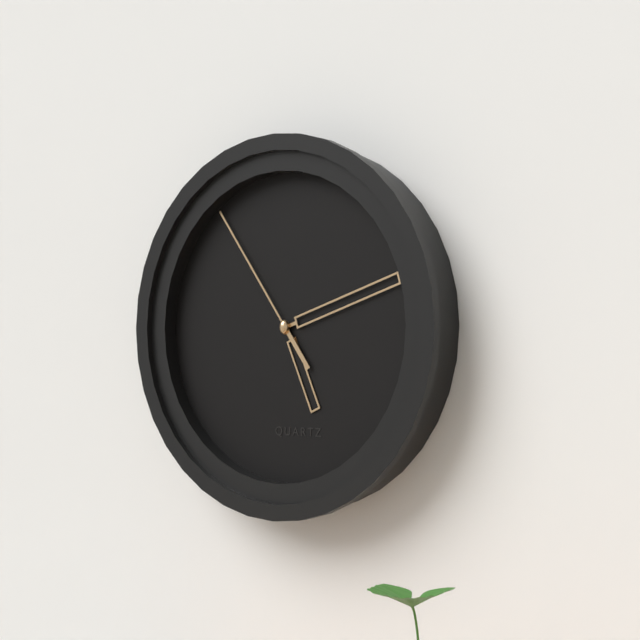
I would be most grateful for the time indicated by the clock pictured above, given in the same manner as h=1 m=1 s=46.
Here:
h=5 m=12 s=54
